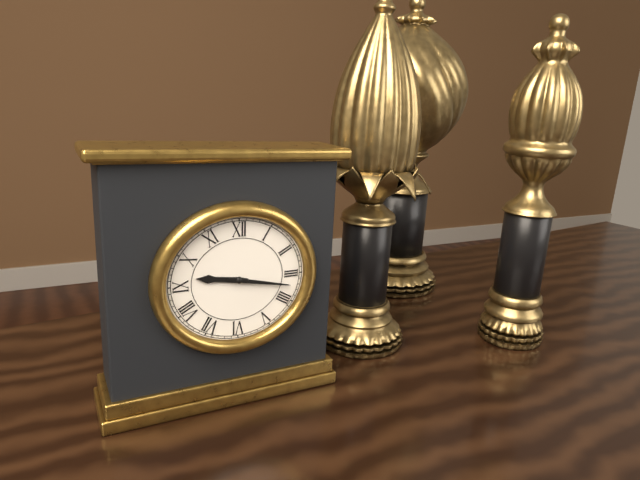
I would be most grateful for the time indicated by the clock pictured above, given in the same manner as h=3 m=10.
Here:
h=9 m=17
